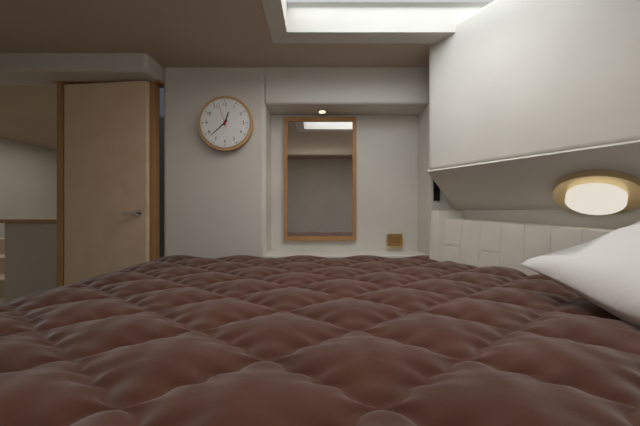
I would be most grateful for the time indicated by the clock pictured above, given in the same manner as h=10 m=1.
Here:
h=12 m=38
